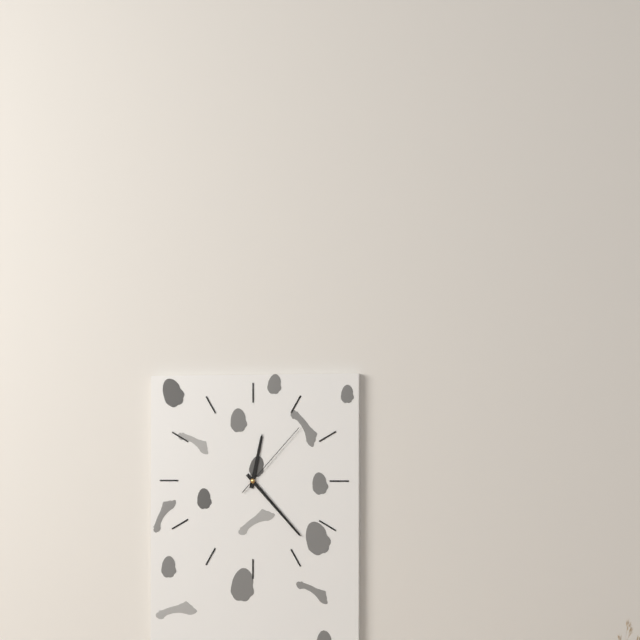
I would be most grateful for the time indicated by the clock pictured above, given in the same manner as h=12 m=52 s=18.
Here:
h=12 m=23 s=7
